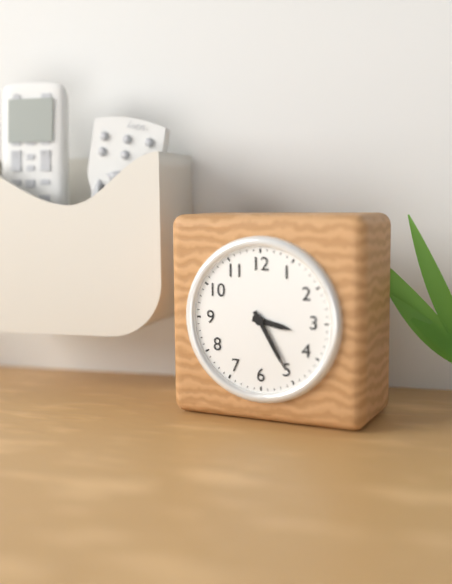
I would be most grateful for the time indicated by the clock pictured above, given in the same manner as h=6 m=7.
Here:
h=3 m=25
